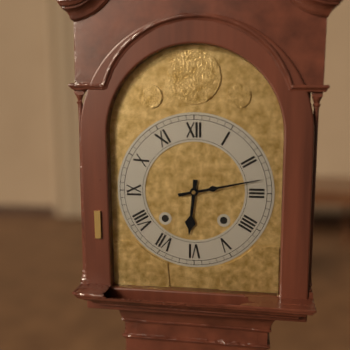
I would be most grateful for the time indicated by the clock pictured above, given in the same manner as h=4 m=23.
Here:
h=6 m=13
